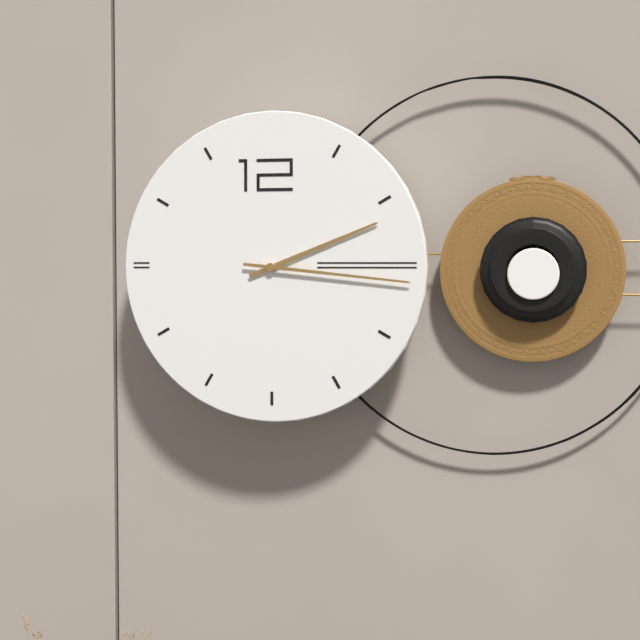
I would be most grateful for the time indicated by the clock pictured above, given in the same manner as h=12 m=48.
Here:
h=2 m=16
